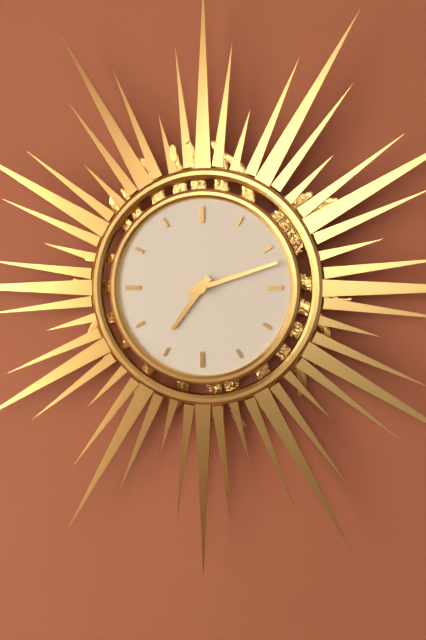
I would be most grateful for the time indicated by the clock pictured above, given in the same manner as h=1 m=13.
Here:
h=7 m=12
